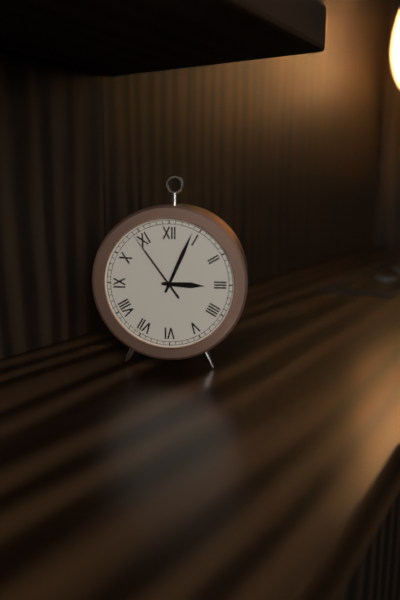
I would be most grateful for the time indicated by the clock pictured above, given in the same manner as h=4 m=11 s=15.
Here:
h=3 m=4 s=54
